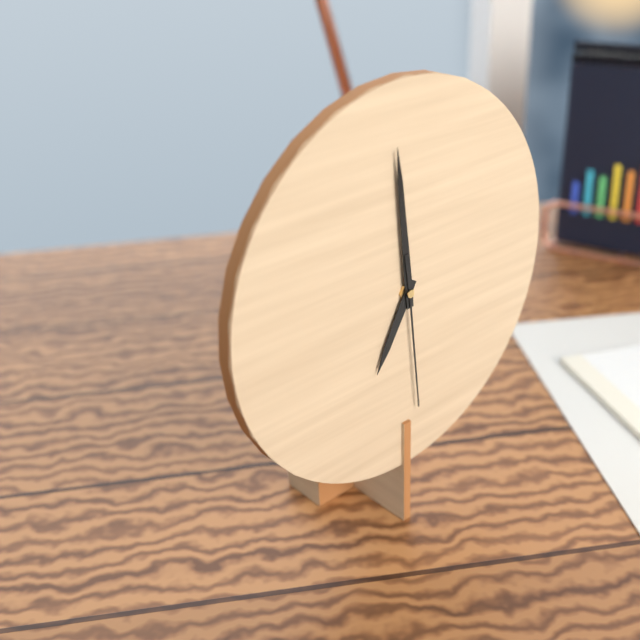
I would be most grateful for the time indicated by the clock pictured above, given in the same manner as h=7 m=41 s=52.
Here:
h=6 m=59 s=29
